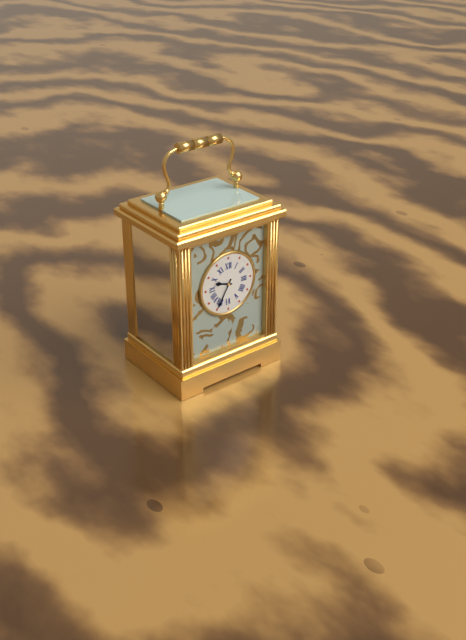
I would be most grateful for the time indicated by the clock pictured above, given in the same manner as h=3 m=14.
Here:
h=9 m=35
